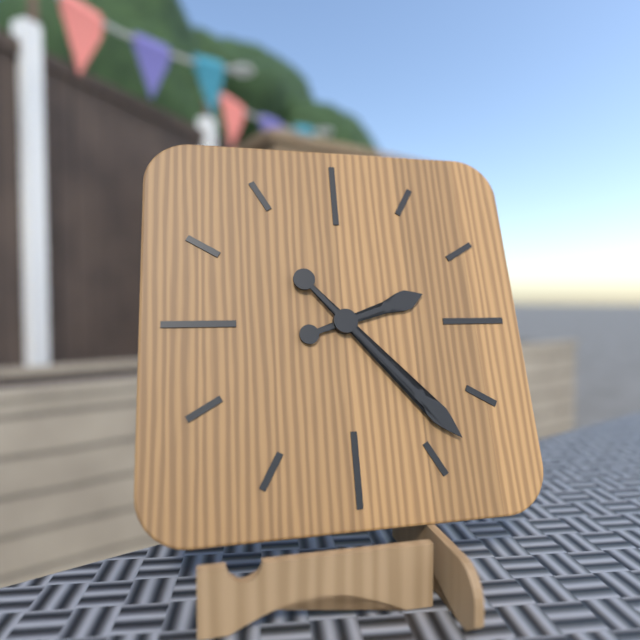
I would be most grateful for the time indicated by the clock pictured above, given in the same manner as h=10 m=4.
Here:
h=2 m=23
